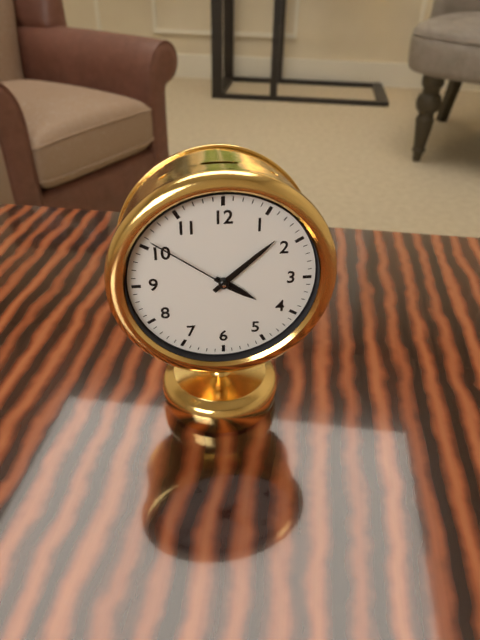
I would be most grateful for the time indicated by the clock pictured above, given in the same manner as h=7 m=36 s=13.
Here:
h=4 m=8 s=51
